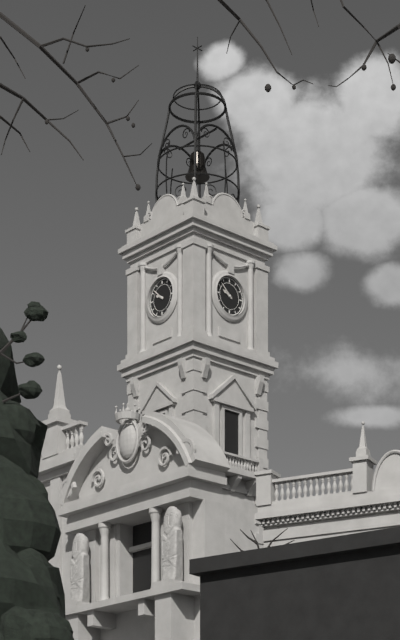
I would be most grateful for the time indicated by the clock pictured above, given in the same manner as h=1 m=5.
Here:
h=9 m=52
